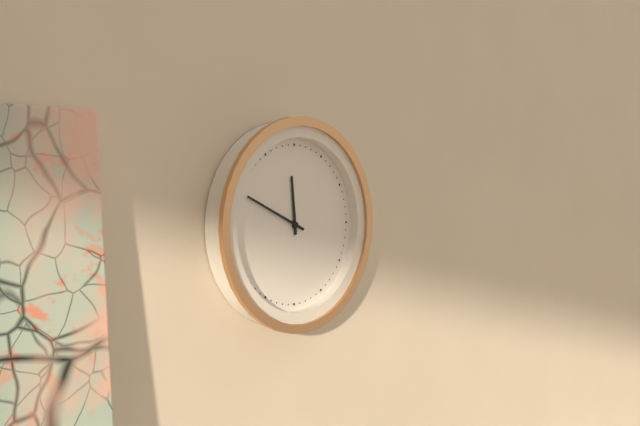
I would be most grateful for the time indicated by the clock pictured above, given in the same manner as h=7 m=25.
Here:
h=11 m=49
